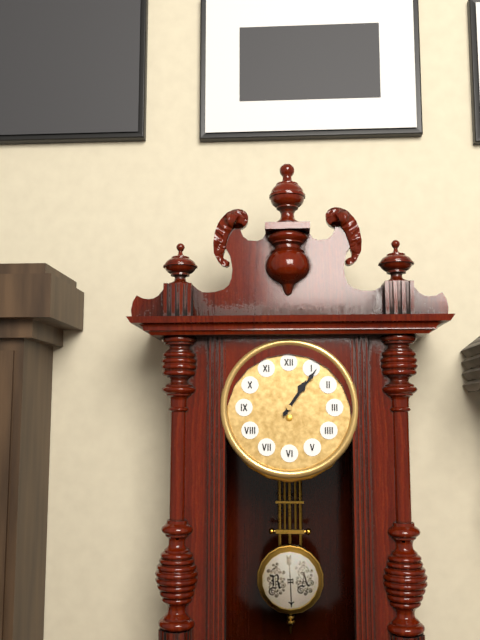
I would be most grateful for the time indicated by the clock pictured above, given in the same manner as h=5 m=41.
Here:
h=1 m=6
